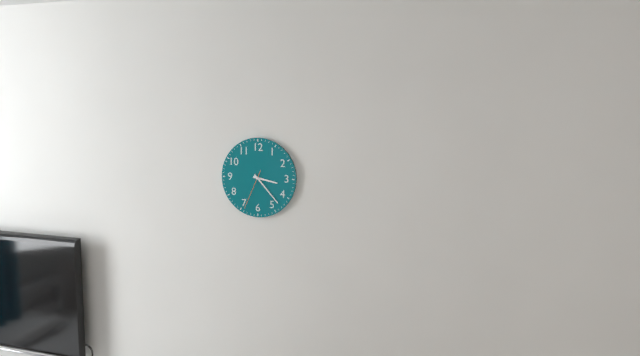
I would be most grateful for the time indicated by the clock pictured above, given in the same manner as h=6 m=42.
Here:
h=3 m=23
